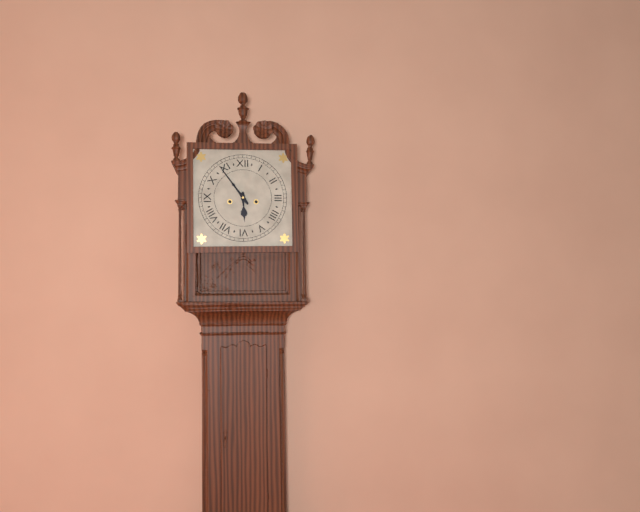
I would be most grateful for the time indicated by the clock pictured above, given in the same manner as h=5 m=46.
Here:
h=5 m=54
